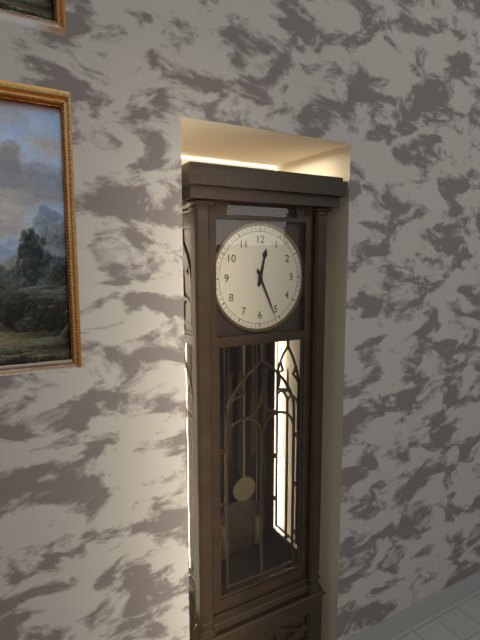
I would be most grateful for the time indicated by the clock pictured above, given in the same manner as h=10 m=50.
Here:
h=12 m=26
